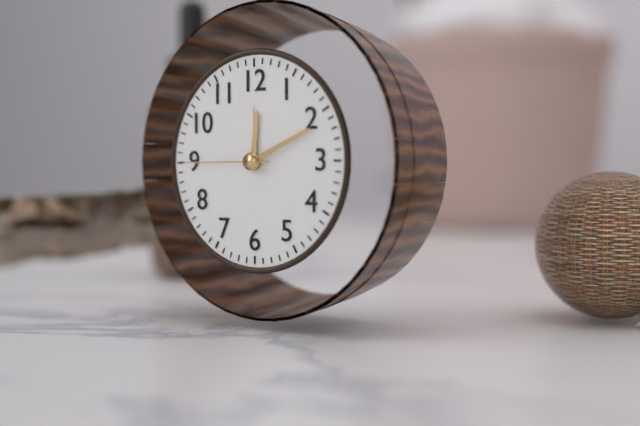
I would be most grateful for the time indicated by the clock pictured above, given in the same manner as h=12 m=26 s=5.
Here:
h=12 m=11 s=45
